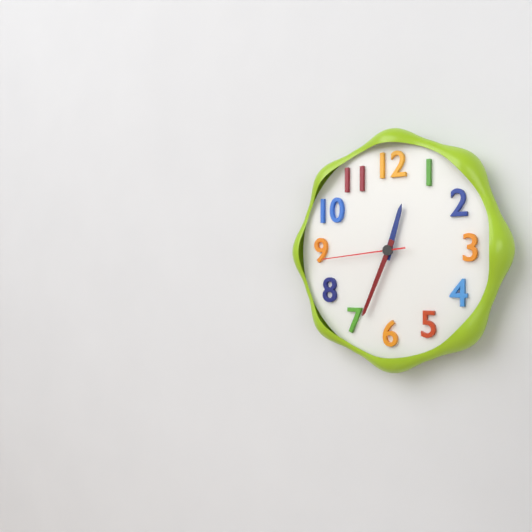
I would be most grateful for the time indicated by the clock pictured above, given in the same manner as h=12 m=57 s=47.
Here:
h=12 m=34 s=44
